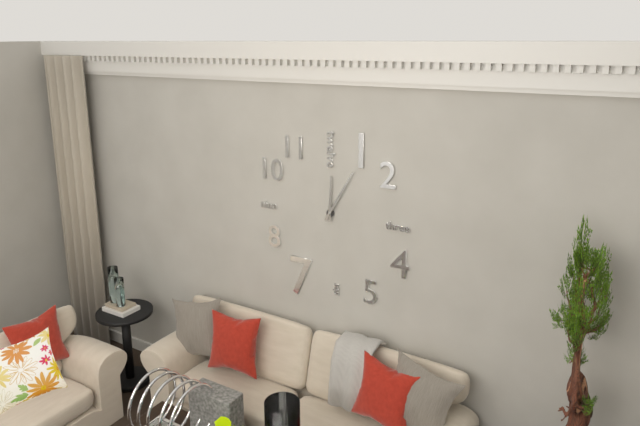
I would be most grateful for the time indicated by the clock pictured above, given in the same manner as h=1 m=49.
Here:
h=12 m=5
